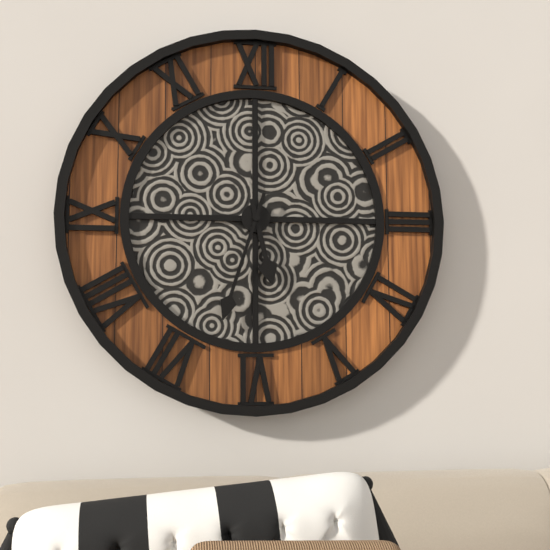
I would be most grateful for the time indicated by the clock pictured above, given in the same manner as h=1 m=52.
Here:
h=5 m=33
